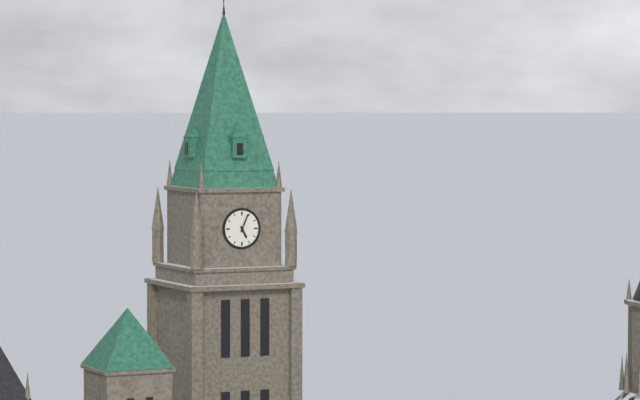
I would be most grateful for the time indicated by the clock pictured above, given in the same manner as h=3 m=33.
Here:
h=5 m=4
